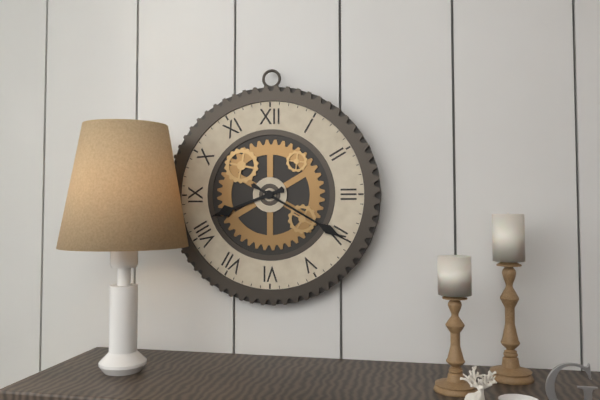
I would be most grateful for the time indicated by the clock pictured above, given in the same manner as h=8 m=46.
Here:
h=8 m=20
